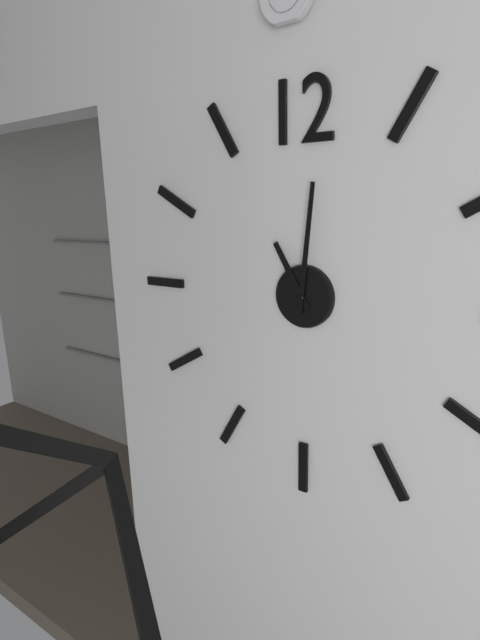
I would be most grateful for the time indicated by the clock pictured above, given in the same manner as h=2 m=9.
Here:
h=11 m=1
